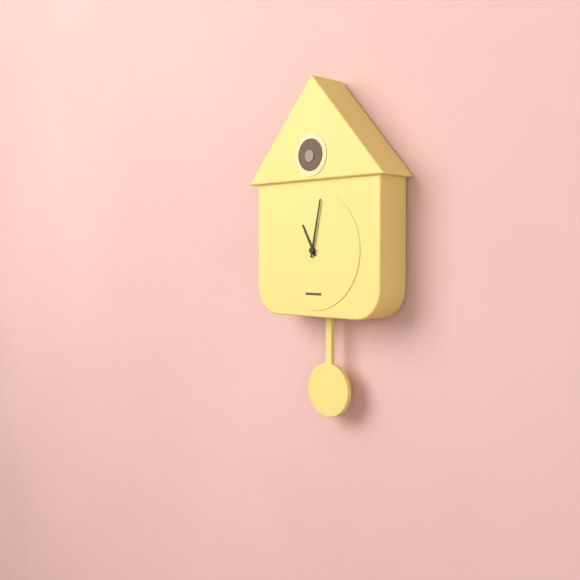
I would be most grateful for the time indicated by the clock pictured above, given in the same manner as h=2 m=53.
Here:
h=11 m=2
